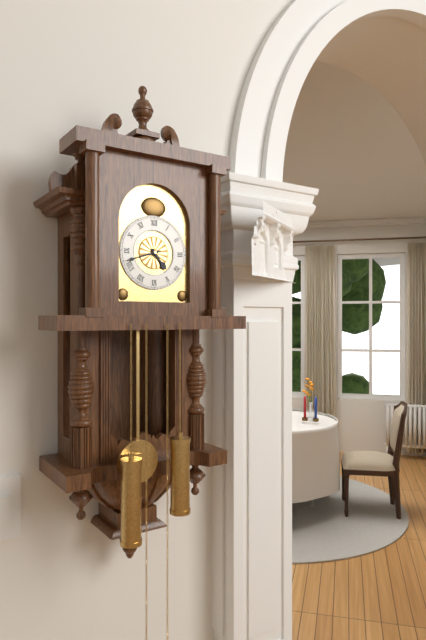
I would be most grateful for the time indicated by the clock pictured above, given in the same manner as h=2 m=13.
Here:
h=4 m=42
